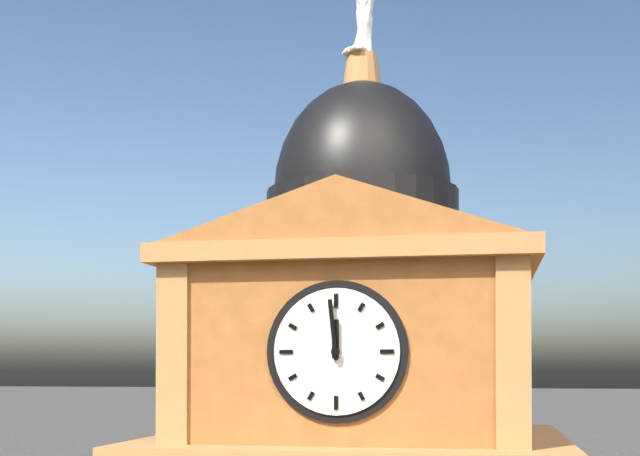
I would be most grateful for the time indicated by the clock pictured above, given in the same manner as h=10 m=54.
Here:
h=11 m=59
